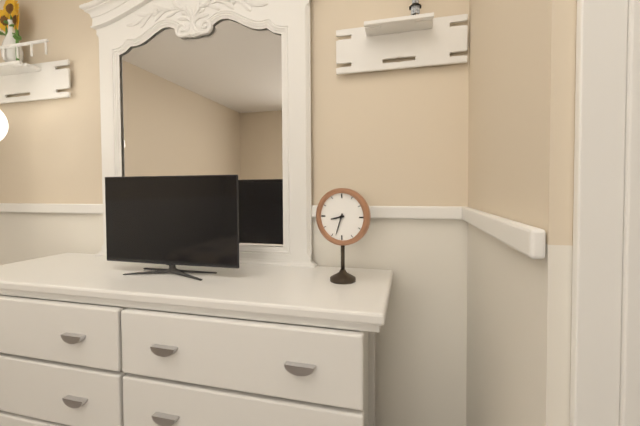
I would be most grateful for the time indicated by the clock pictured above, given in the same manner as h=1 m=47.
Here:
h=8 m=33
